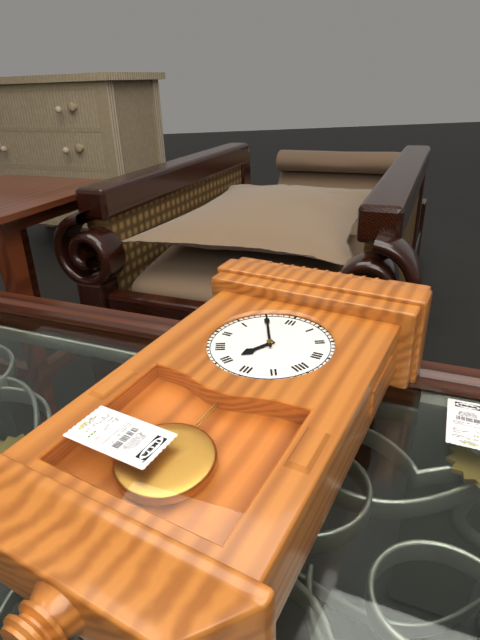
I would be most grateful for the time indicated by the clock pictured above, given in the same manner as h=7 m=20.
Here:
h=6 m=55
